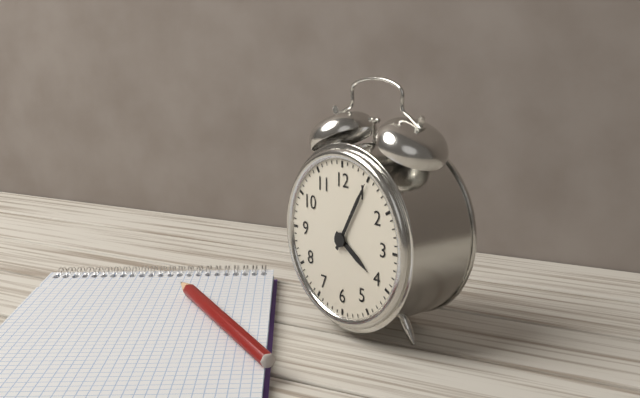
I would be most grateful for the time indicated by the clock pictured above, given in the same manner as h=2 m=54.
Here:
h=4 m=5
